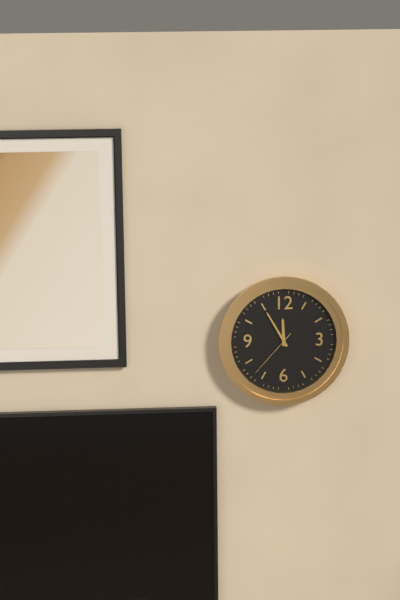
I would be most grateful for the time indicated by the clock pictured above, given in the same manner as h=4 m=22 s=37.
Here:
h=11 m=55 s=37
